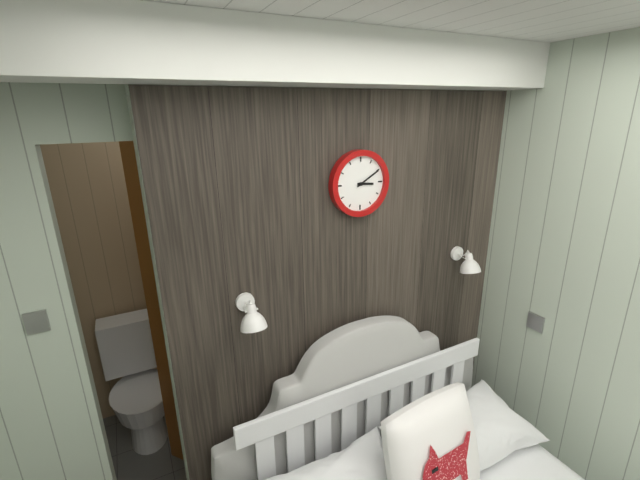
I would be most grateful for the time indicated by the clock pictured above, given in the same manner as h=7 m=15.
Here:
h=3 m=10
